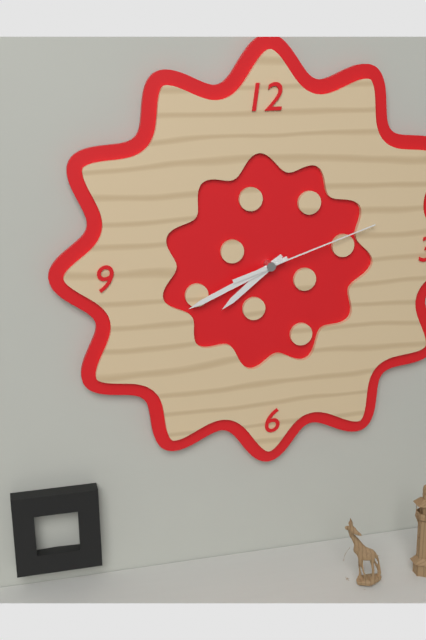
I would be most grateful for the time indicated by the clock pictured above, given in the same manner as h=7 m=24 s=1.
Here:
h=7 m=41 s=12
